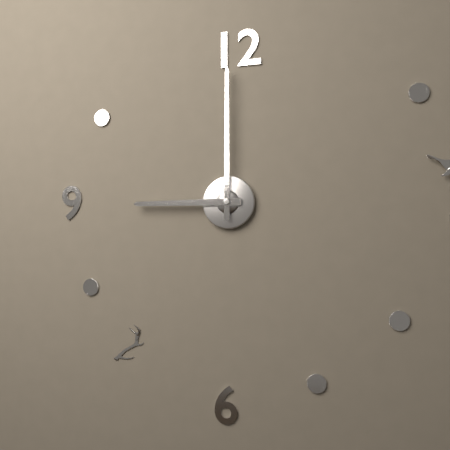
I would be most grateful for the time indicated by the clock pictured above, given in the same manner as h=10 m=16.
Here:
h=9 m=0
